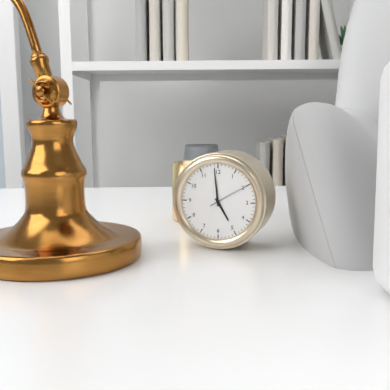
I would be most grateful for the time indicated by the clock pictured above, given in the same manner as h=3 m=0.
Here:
h=4 m=59
